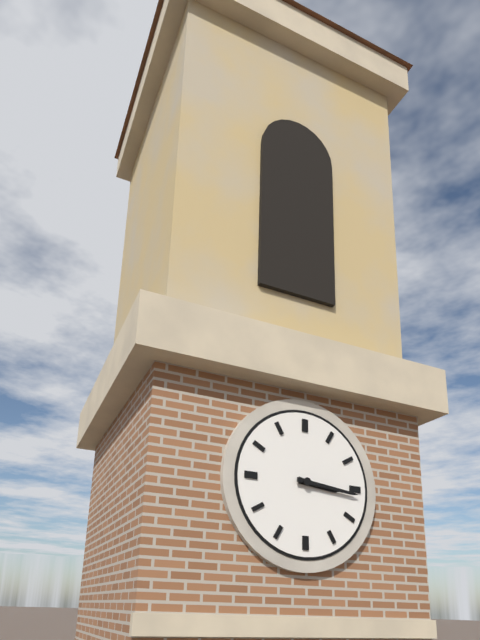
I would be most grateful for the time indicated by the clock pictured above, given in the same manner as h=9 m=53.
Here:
h=3 m=16
